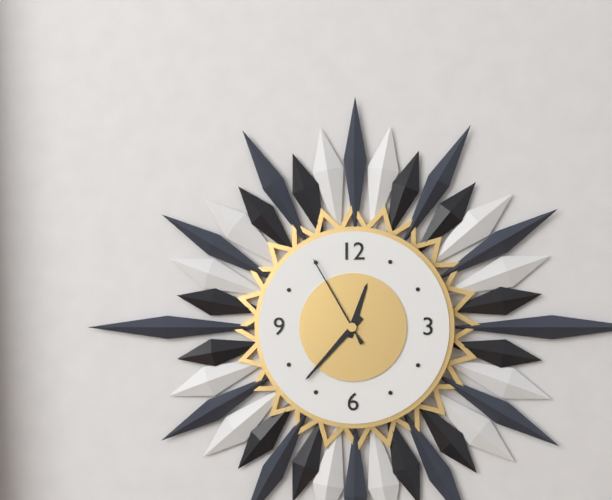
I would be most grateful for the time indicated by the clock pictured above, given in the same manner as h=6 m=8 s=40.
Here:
h=12 m=37 s=55
